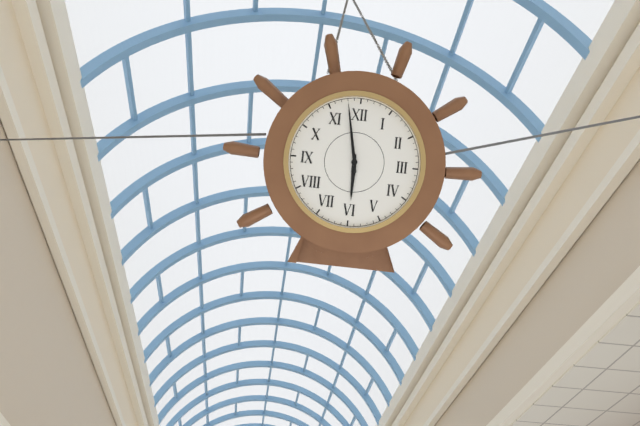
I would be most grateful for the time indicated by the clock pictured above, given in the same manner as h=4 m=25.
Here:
h=5 m=58
